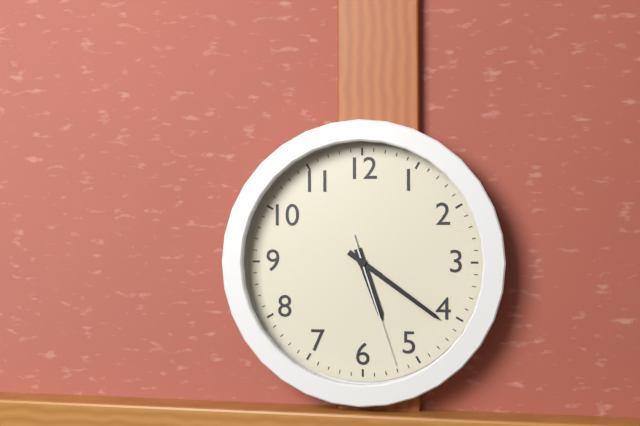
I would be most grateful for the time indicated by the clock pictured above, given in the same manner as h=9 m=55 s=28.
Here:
h=5 m=21 s=27
